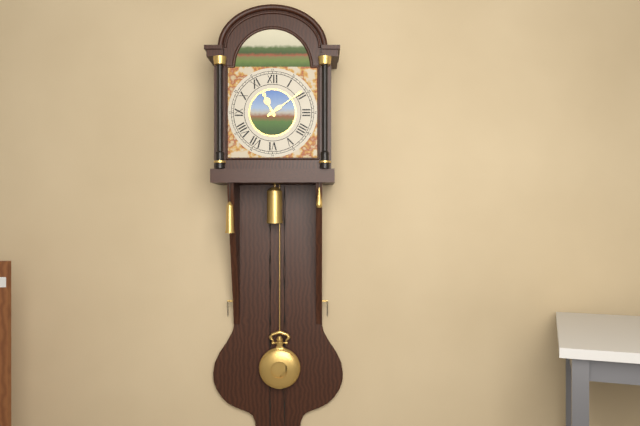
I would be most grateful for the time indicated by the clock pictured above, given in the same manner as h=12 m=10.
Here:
h=11 m=9
